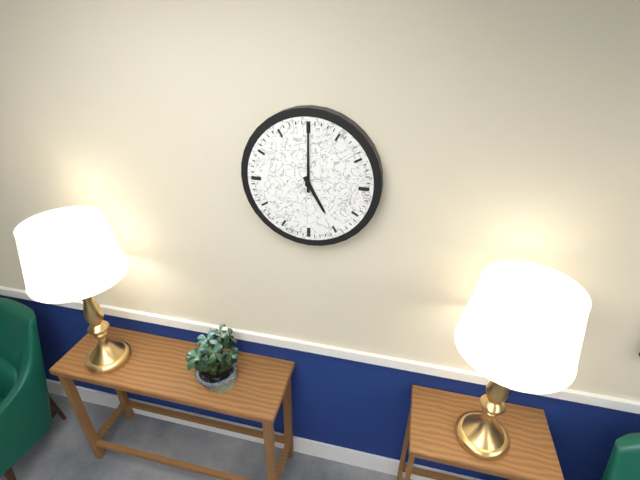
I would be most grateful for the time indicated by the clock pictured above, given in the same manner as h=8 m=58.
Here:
h=5 m=0
